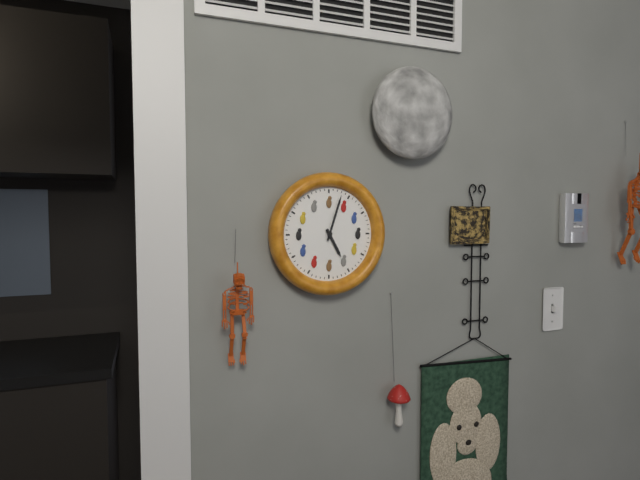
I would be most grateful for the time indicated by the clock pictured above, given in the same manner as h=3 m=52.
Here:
h=5 m=3
